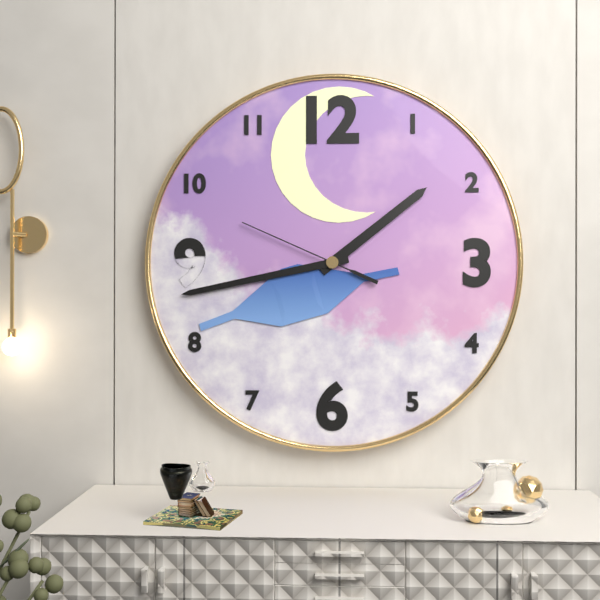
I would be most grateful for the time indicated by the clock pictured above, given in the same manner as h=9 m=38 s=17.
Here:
h=1 m=43 s=49
